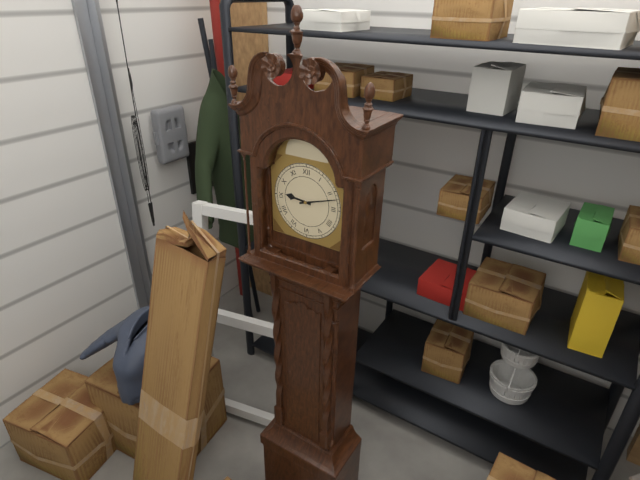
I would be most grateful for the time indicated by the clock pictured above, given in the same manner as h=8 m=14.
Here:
h=9 m=12
